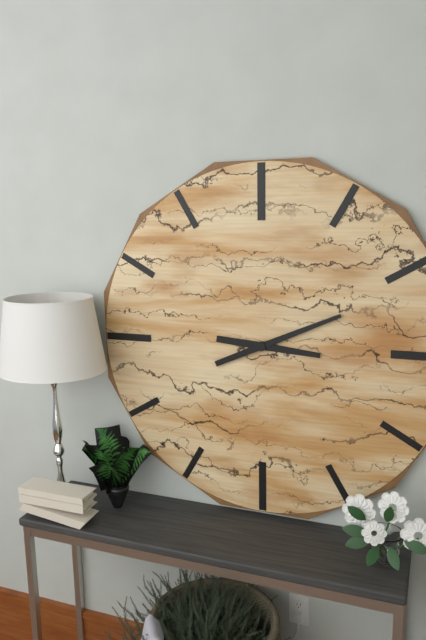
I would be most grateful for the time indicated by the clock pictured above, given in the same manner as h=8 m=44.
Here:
h=3 m=11
